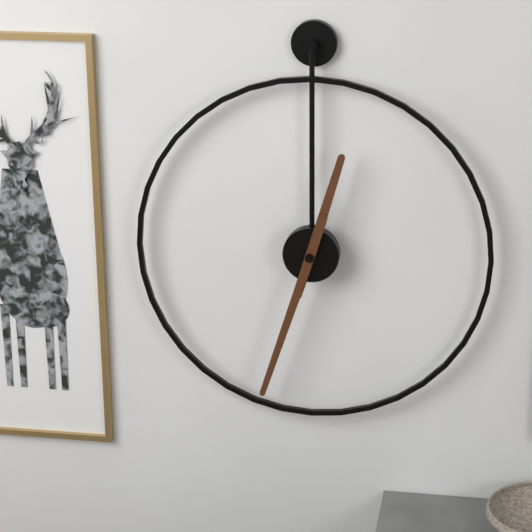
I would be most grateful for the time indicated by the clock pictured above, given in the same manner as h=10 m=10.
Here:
h=12 m=33
